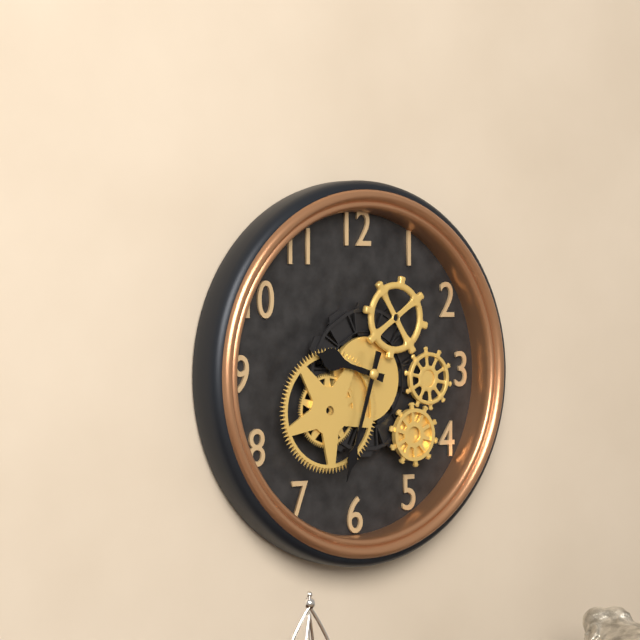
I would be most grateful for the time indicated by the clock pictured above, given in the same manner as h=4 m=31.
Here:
h=9 m=33
